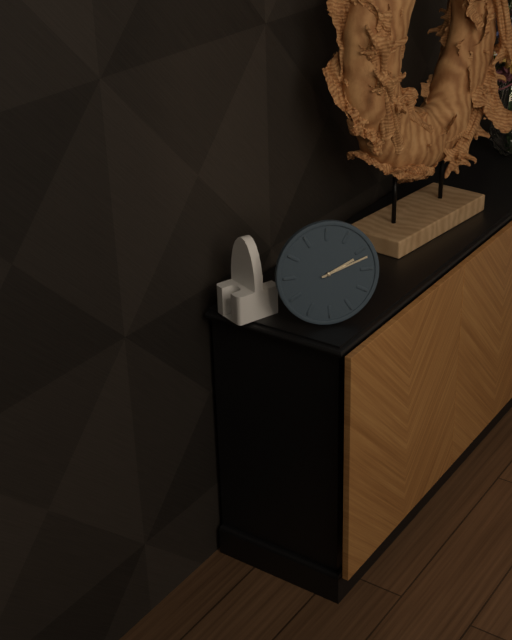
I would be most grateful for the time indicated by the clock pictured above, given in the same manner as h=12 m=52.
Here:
h=2 m=12
